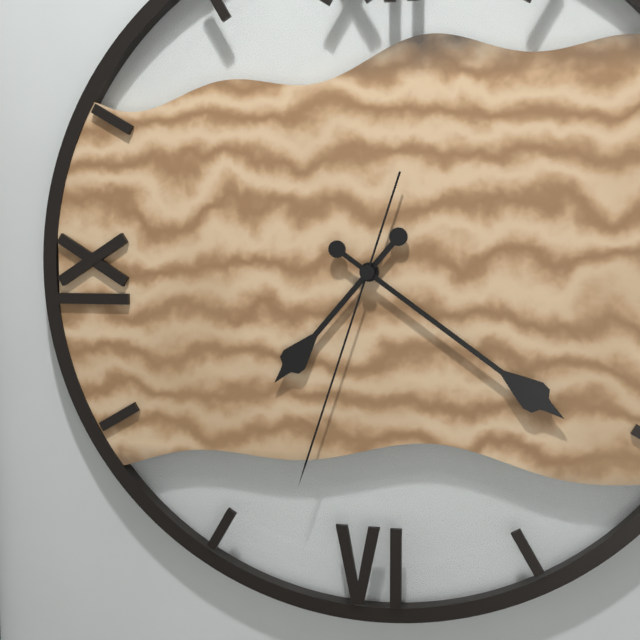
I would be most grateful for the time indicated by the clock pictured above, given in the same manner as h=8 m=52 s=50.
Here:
h=7 m=21 s=33
